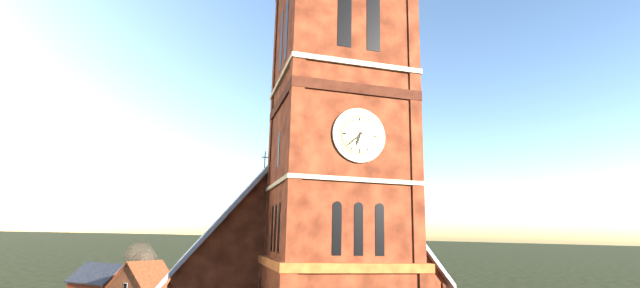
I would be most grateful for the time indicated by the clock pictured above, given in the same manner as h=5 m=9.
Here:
h=6 m=38
